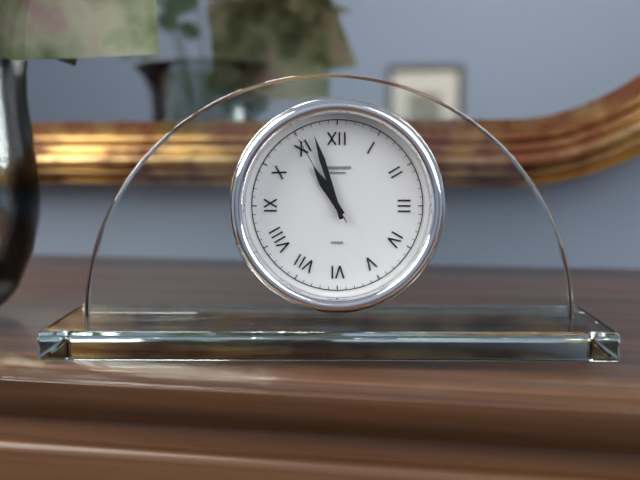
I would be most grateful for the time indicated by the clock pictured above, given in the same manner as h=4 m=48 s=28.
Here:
h=10 m=57 s=55
